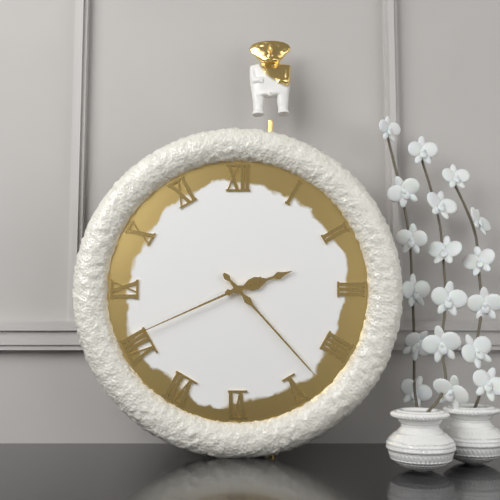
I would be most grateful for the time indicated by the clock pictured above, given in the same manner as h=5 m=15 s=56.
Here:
h=2 m=23 s=41
